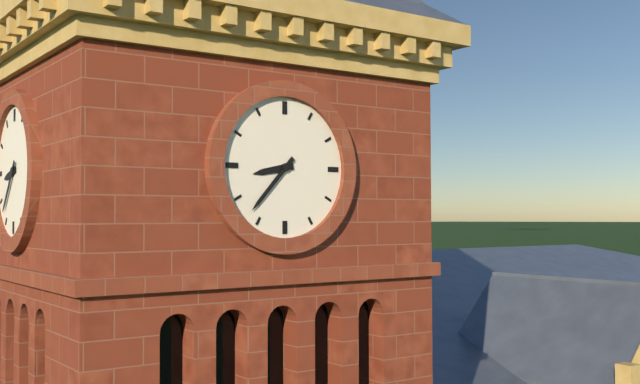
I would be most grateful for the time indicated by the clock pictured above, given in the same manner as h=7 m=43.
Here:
h=8 m=37
